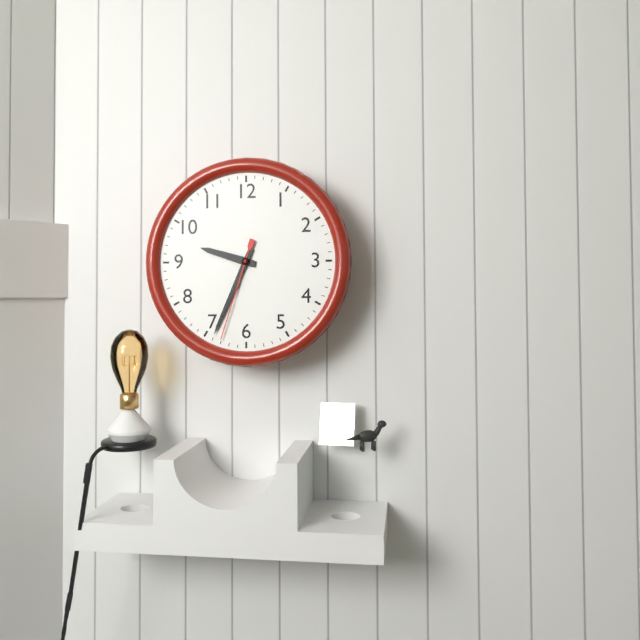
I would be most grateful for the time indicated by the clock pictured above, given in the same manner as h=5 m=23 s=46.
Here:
h=9 m=34 s=33
